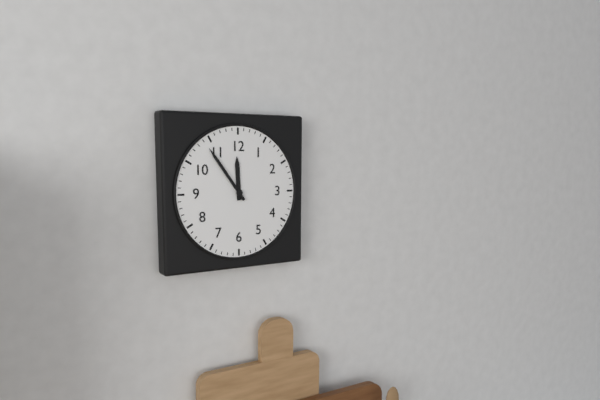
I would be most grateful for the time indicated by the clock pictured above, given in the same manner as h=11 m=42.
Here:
h=11 m=54
